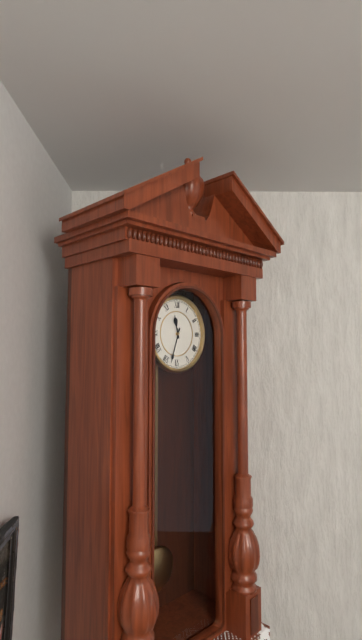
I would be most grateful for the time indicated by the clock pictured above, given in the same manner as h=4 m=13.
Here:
h=11 m=33
